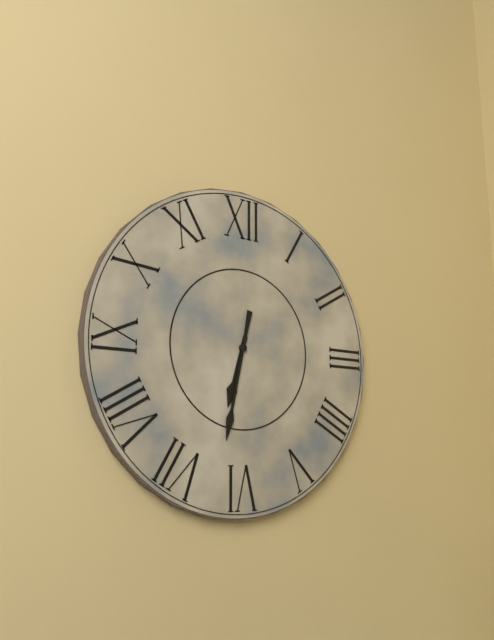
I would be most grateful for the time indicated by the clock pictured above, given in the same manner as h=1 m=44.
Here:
h=6 m=32
